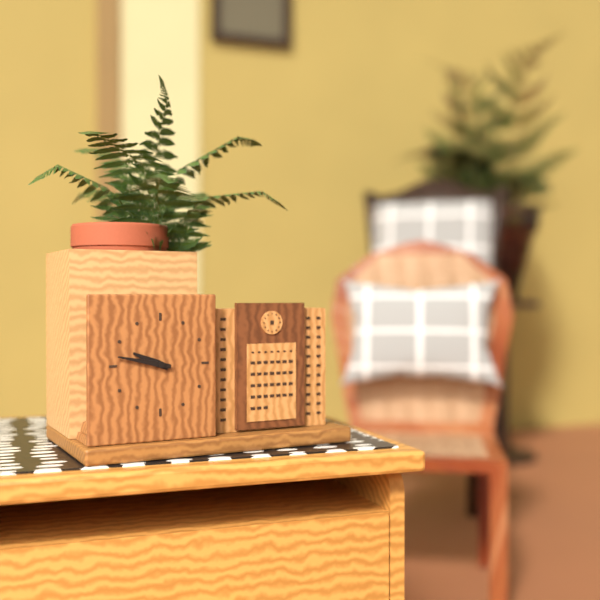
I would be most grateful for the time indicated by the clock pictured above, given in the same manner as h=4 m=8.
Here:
h=9 m=47
